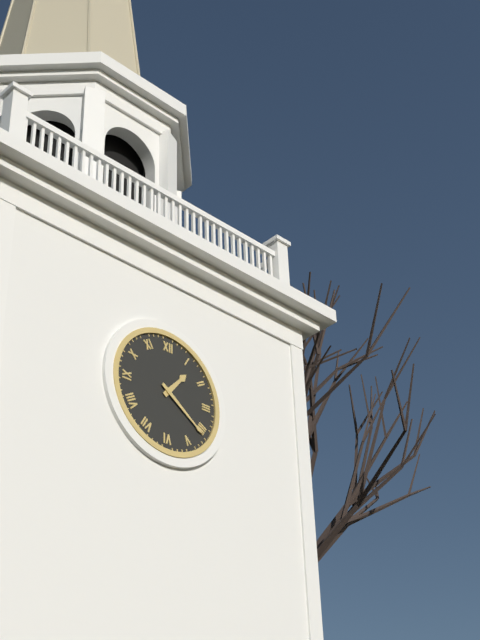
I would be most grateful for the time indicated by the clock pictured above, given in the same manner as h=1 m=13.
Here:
h=1 m=21
